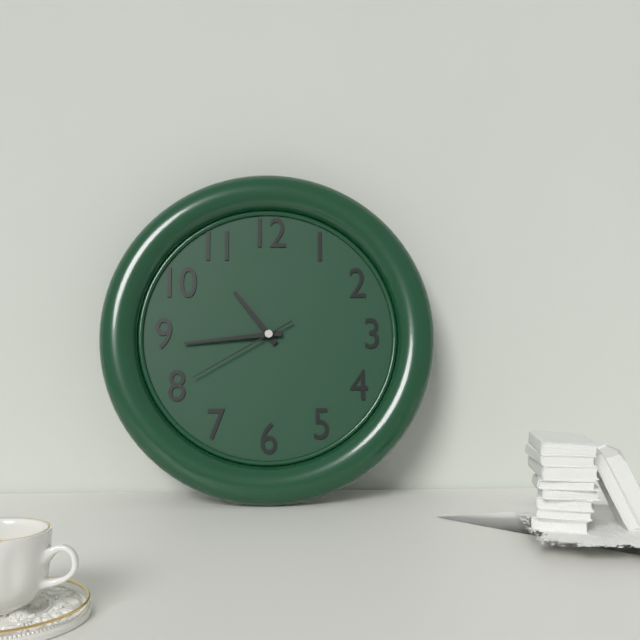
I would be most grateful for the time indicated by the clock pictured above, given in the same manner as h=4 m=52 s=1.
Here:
h=10 m=44 s=40
